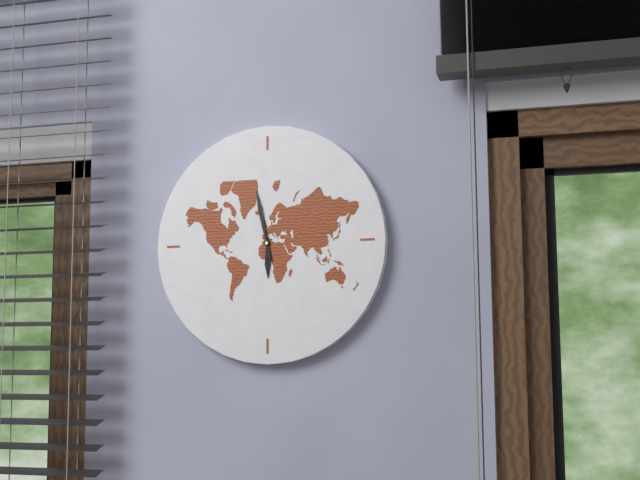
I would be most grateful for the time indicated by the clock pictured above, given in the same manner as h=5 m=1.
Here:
h=5 m=58
